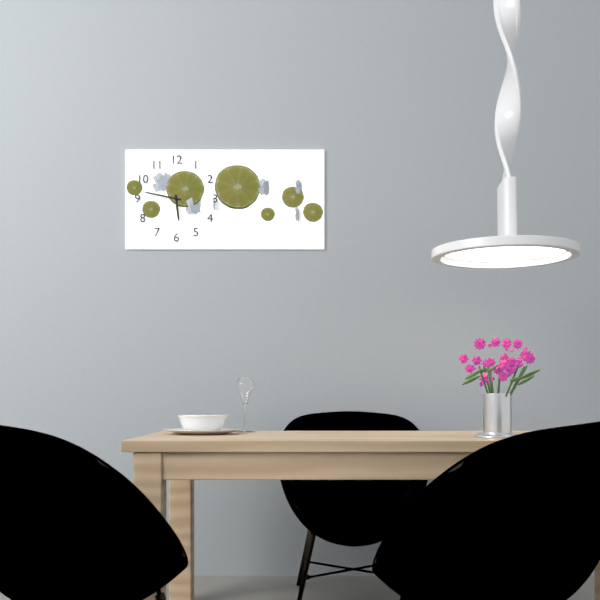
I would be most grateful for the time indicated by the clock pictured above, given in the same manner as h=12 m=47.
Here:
h=5 m=47
